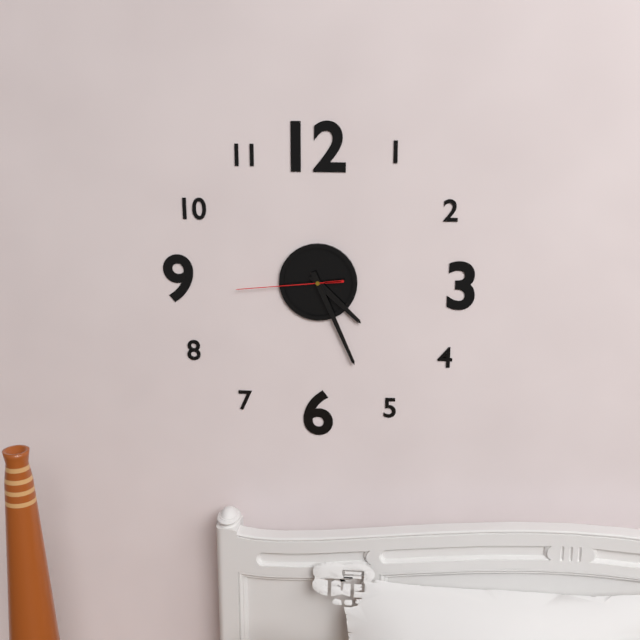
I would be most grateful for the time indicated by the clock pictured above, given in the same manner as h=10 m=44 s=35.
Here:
h=4 m=26 s=44
